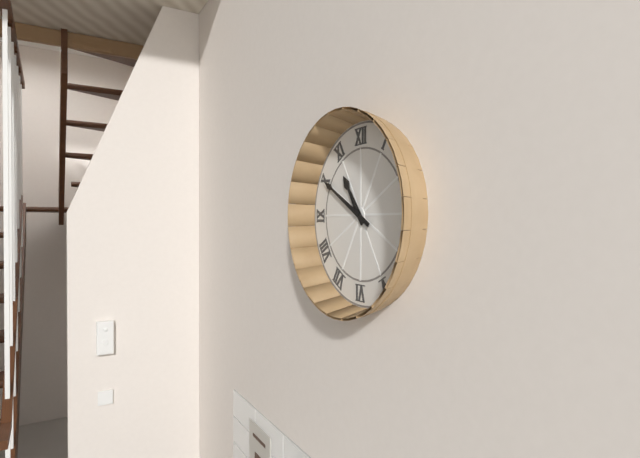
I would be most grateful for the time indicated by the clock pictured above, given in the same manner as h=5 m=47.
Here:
h=10 m=50
